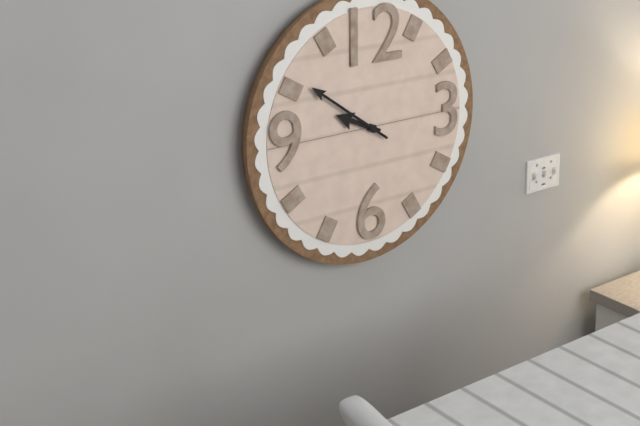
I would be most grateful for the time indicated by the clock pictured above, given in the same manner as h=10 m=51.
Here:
h=9 m=51
